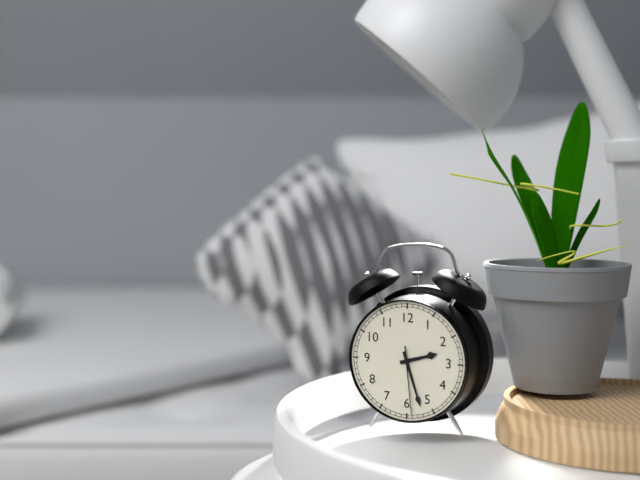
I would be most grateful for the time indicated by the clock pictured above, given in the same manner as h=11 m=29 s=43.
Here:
h=2 m=27 s=29
